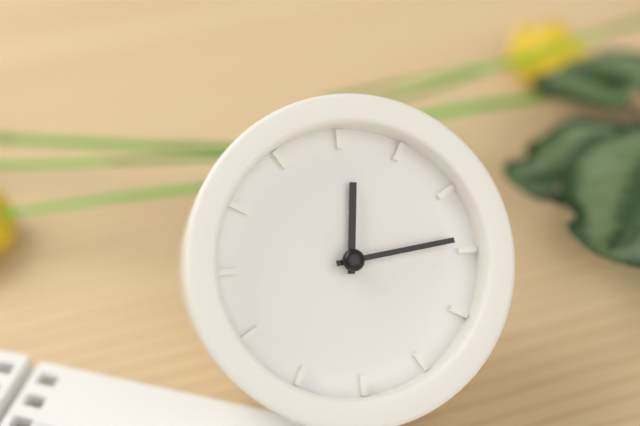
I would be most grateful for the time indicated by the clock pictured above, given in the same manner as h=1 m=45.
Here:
h=12 m=14
